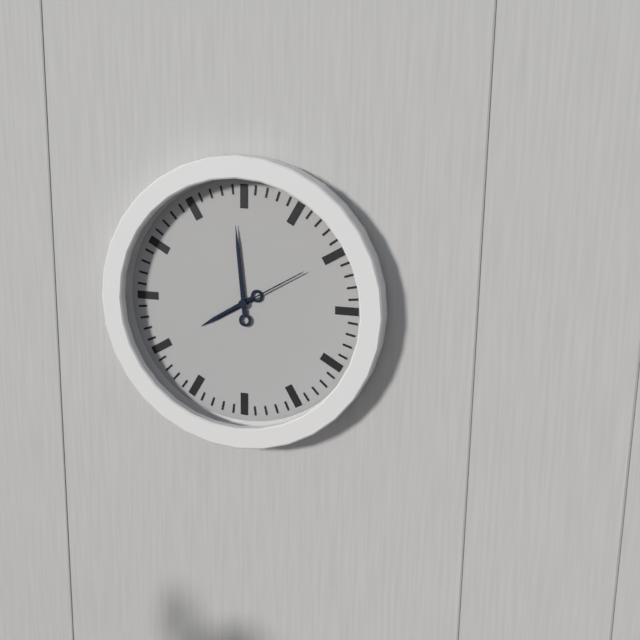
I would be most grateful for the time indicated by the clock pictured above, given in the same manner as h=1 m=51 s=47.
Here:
h=7 m=59 s=10
